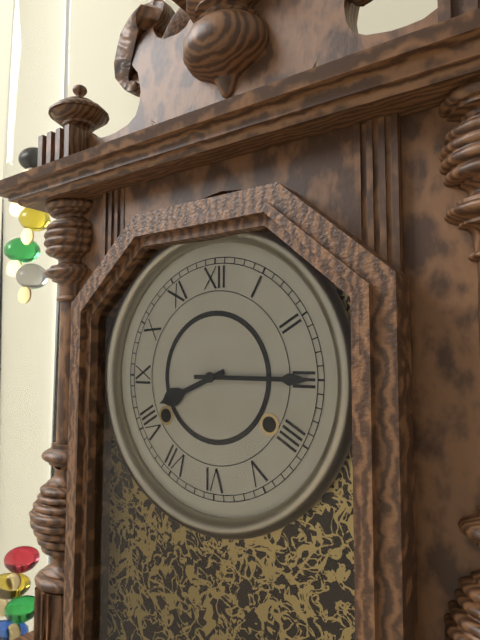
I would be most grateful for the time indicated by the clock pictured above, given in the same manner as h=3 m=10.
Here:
h=8 m=15
